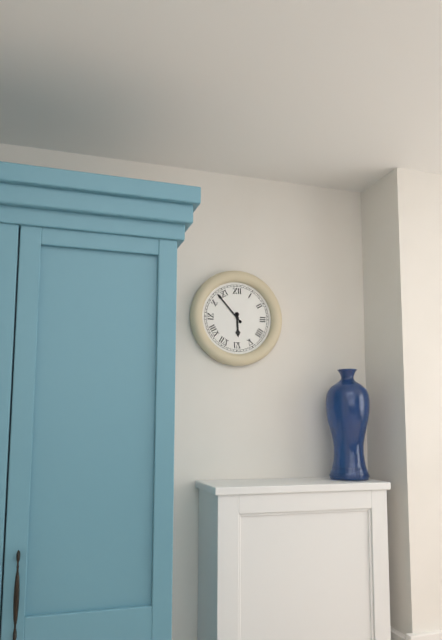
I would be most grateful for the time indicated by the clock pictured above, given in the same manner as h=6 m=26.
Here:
h=5 m=53
